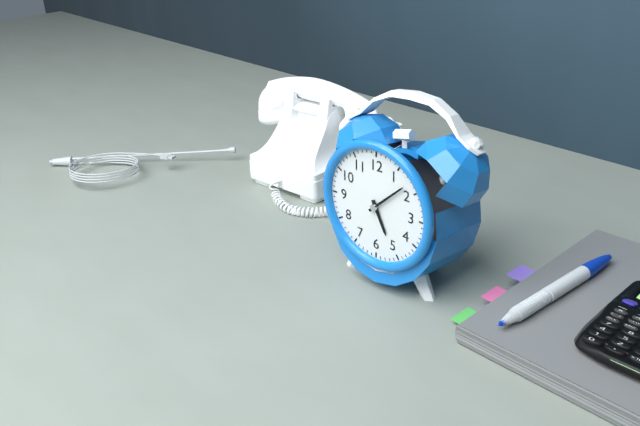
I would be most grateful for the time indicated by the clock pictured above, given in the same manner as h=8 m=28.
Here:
h=5 m=8
